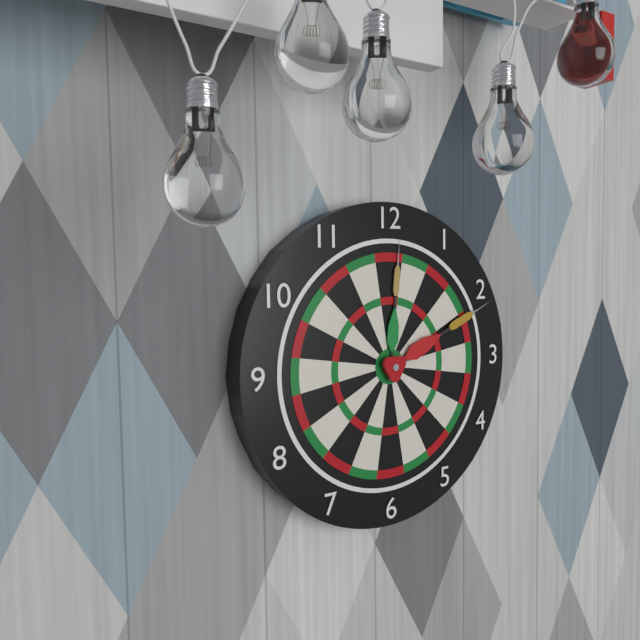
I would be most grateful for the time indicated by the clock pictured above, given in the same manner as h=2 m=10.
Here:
h=12 m=11
